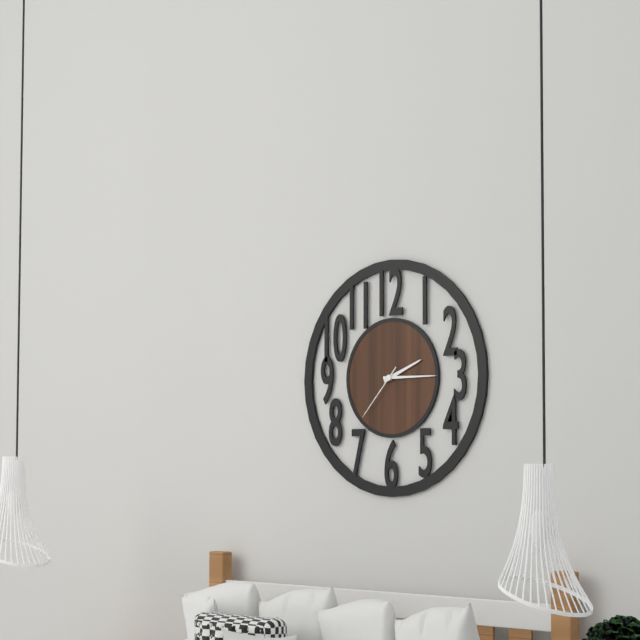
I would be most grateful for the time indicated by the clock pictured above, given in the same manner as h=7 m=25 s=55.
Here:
h=2 m=15 s=37
